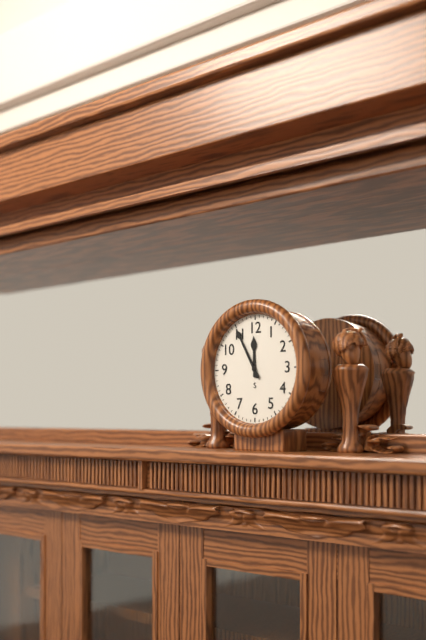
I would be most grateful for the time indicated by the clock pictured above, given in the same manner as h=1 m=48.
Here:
h=11 m=55
